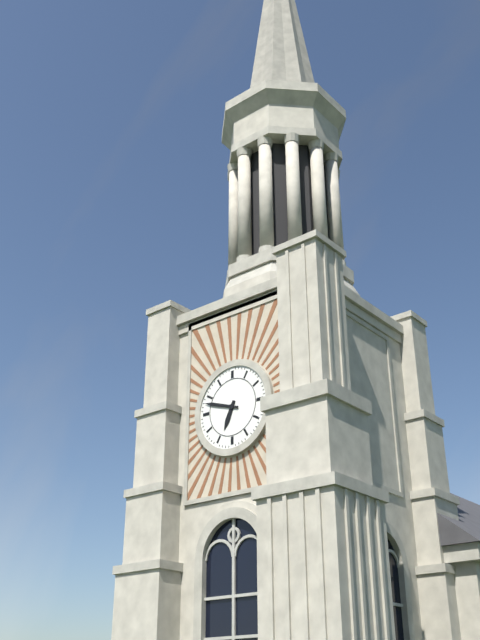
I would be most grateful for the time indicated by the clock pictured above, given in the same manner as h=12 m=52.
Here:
h=6 m=48
